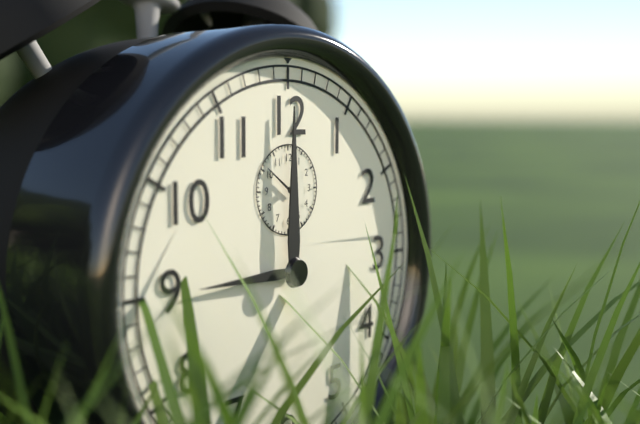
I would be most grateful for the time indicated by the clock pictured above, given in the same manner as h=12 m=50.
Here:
h=9 m=0
